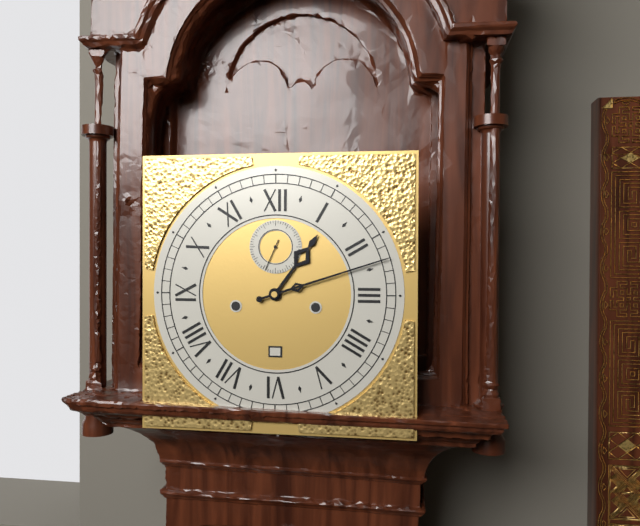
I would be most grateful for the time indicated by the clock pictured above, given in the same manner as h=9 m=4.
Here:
h=1 m=12
